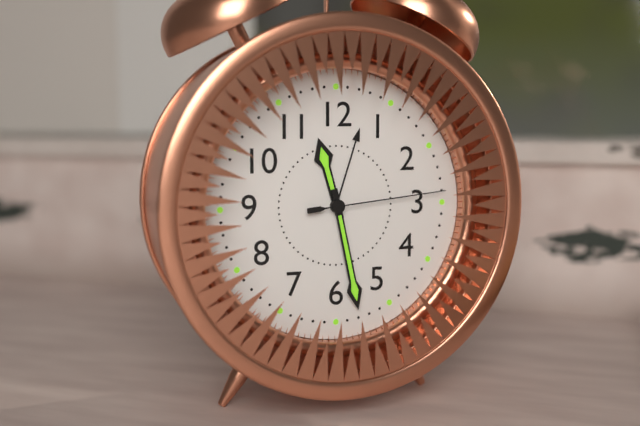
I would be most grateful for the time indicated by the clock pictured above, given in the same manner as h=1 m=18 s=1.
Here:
h=11 m=28 s=14
